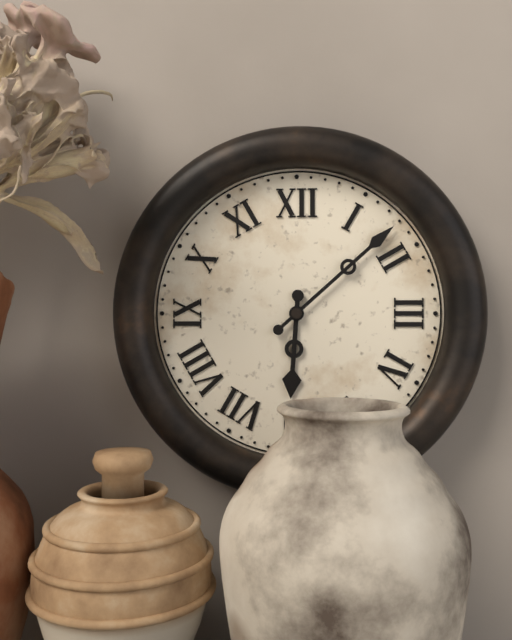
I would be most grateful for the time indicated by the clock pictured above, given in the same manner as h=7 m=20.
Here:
h=6 m=8
